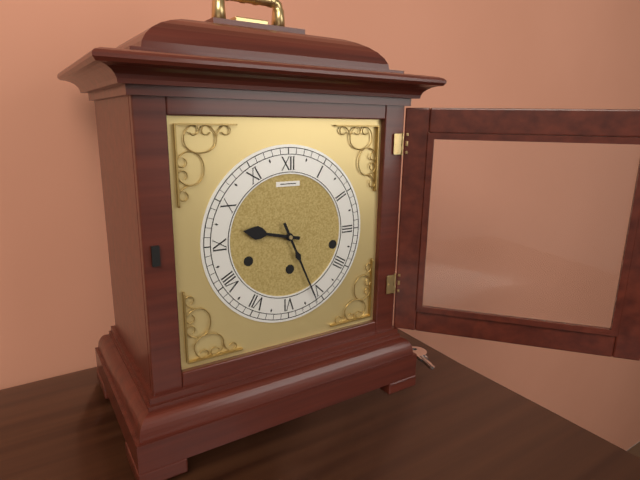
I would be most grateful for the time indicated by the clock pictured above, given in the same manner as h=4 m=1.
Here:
h=9 m=26
